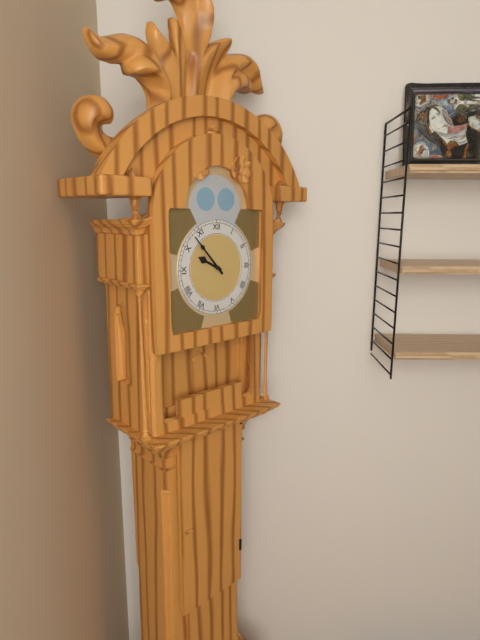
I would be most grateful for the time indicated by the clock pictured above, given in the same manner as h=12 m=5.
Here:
h=9 m=53
